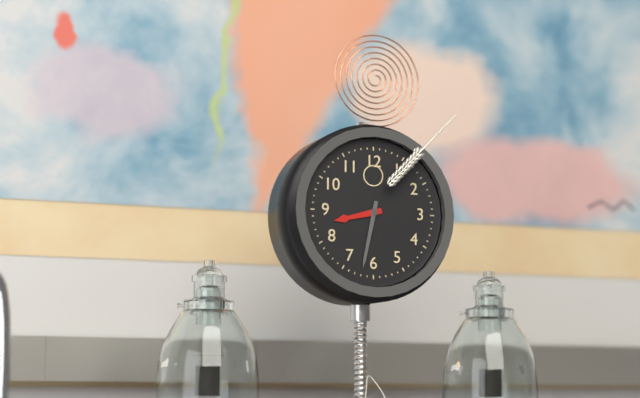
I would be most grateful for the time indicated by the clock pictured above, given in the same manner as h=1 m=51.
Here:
h=8 m=32
